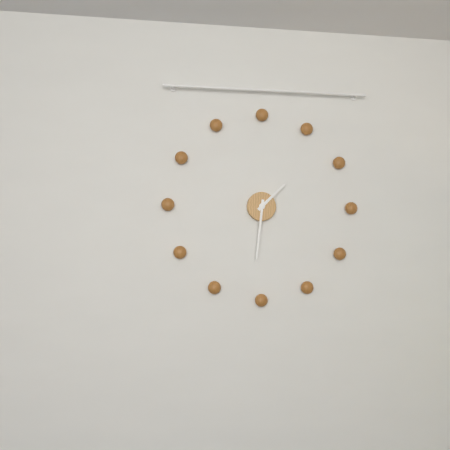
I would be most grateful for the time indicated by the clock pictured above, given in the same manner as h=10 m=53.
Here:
h=1 m=31
